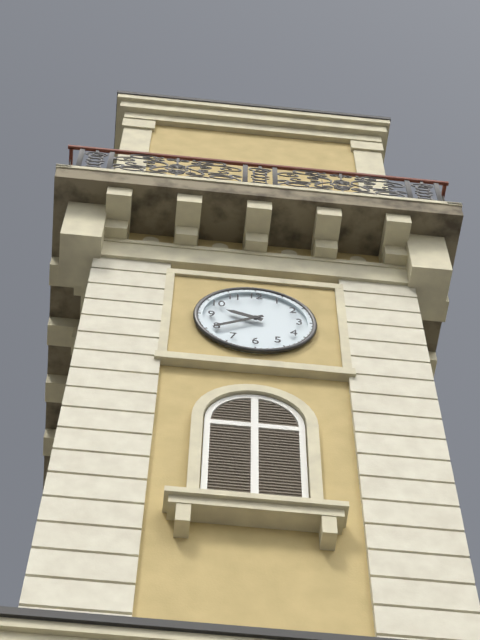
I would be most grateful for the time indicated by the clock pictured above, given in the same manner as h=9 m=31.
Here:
h=9 m=40
